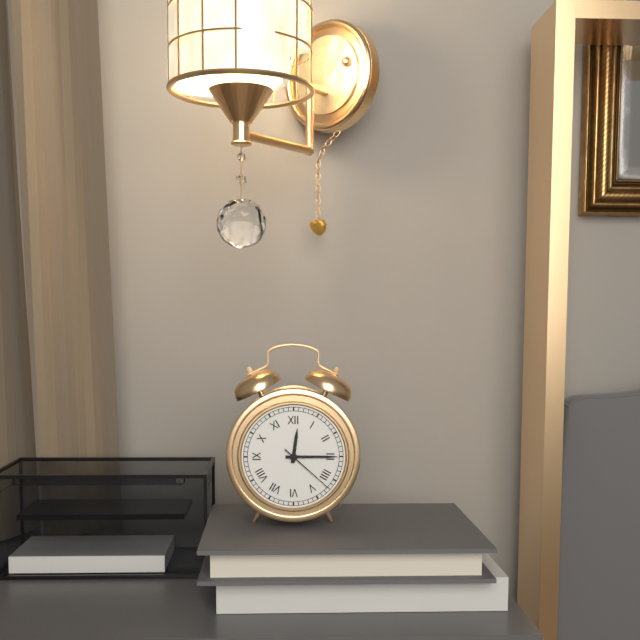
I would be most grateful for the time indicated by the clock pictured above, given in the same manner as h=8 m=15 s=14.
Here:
h=12 m=15 s=22
